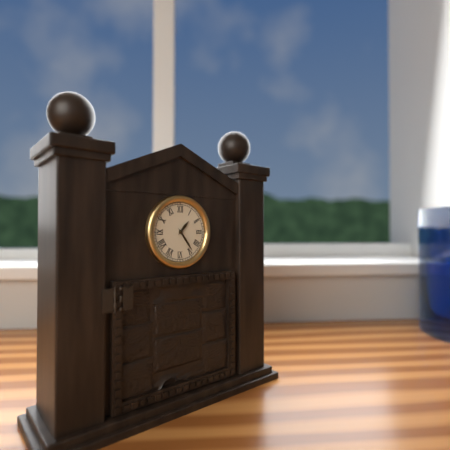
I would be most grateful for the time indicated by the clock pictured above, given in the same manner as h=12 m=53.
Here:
h=1 m=24
